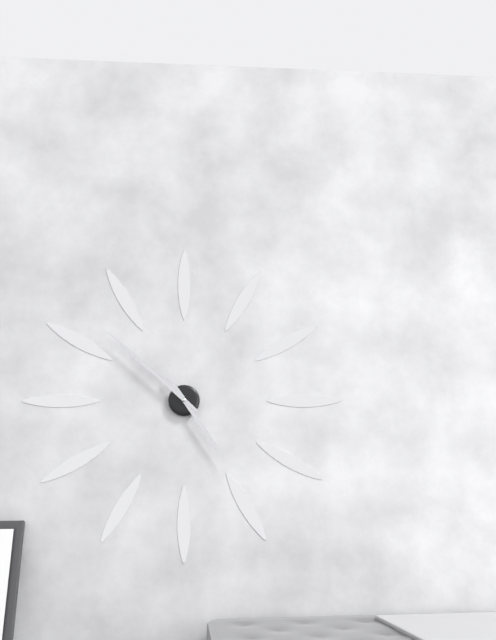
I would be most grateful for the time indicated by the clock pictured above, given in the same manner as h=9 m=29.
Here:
h=4 m=52
